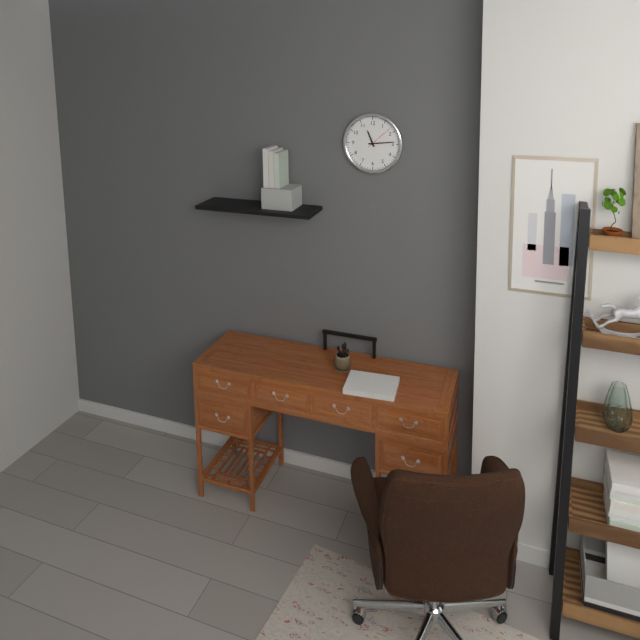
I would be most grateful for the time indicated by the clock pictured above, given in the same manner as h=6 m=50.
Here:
h=11 m=14
